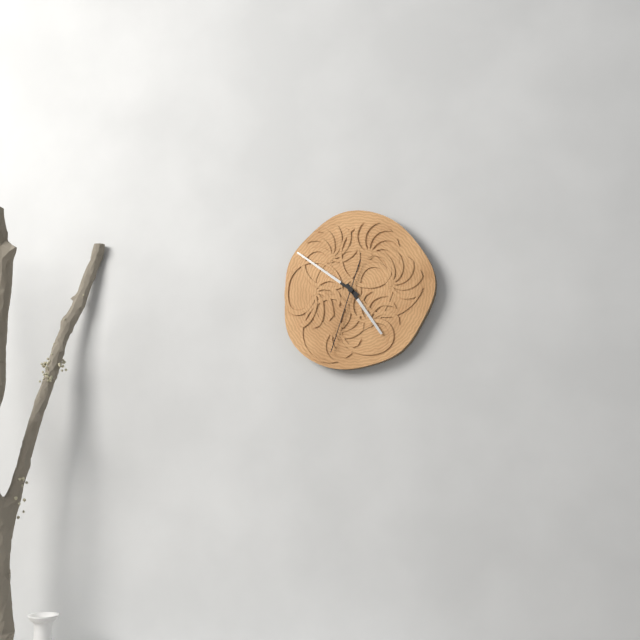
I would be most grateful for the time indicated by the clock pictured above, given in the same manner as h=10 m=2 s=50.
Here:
h=4 m=51 s=33
